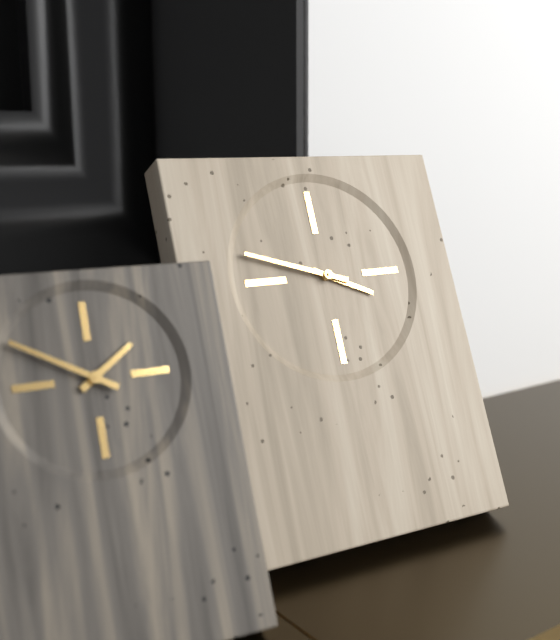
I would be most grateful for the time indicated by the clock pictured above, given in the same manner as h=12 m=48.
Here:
h=3 m=48
